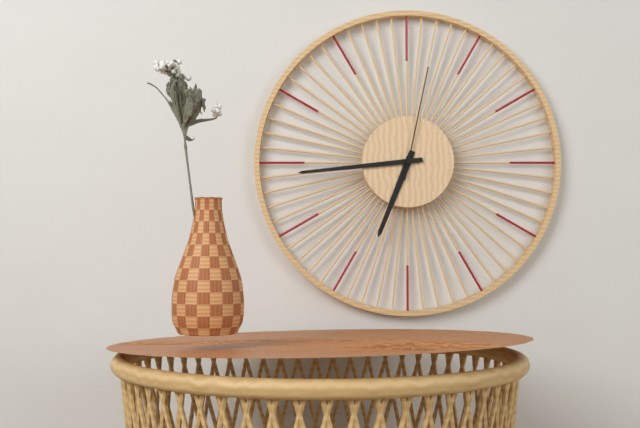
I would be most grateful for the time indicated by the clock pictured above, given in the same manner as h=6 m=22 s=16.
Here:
h=6 m=44 s=2
